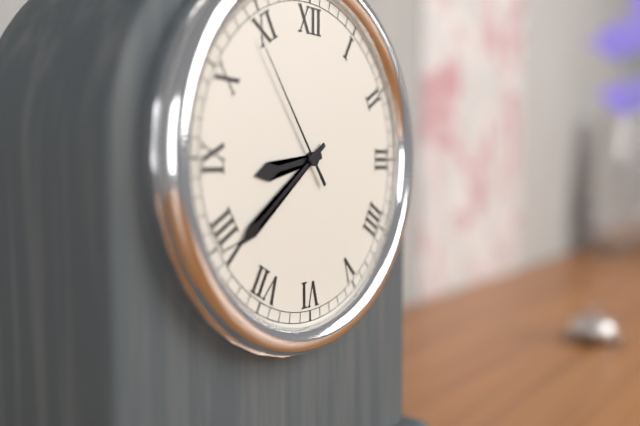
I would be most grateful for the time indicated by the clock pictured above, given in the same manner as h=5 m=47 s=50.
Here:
h=8 m=39 s=54
